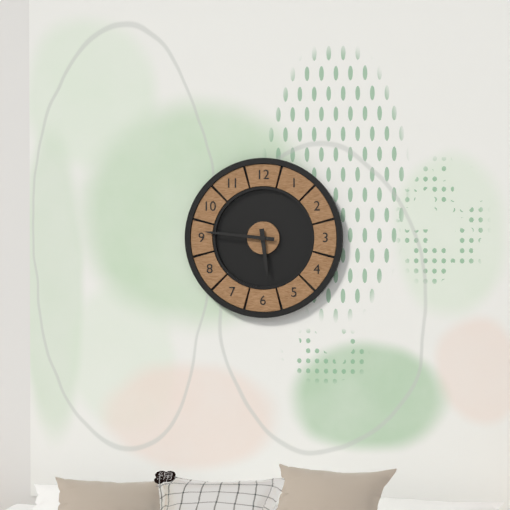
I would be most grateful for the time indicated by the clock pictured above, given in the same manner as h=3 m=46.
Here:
h=5 m=46
